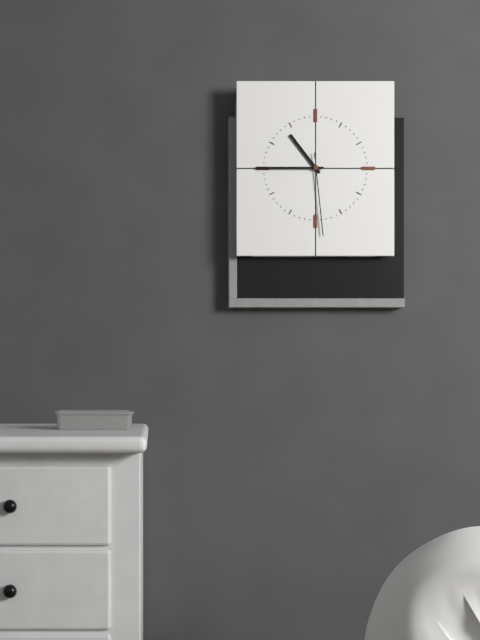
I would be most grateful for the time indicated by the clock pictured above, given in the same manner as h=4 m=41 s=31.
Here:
h=10 m=45 s=29
